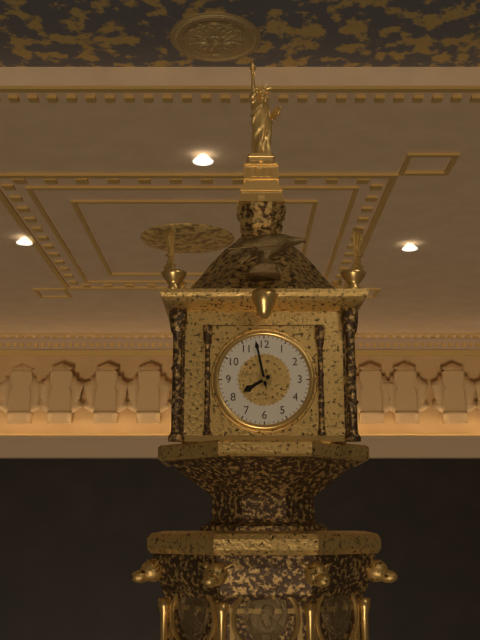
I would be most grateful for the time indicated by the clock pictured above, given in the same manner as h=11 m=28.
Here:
h=7 m=58
